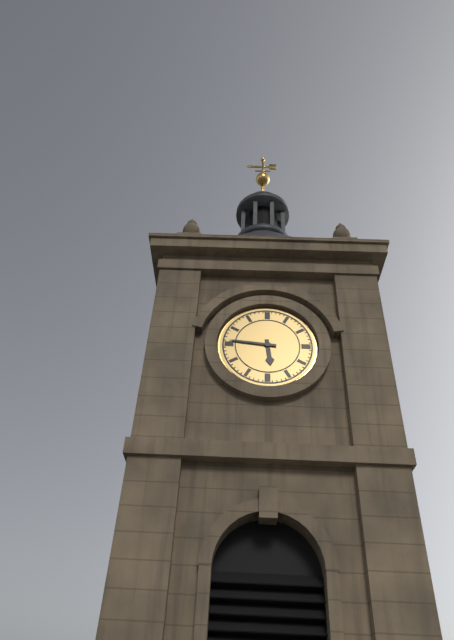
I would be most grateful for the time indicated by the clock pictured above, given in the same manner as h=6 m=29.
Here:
h=5 m=46
